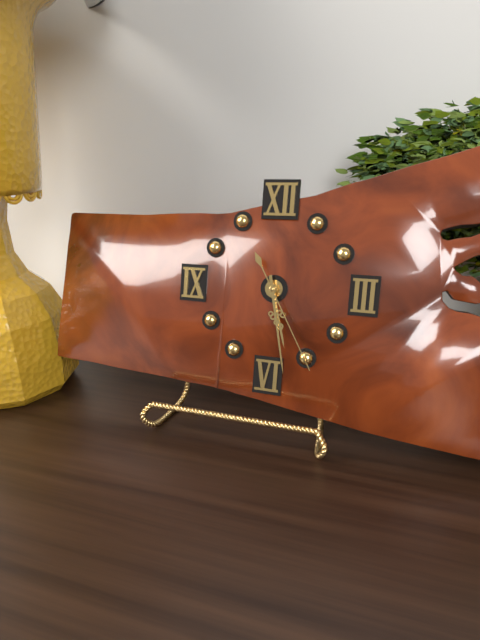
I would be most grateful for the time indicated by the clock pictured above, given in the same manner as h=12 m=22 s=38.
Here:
h=5 m=28 s=25
